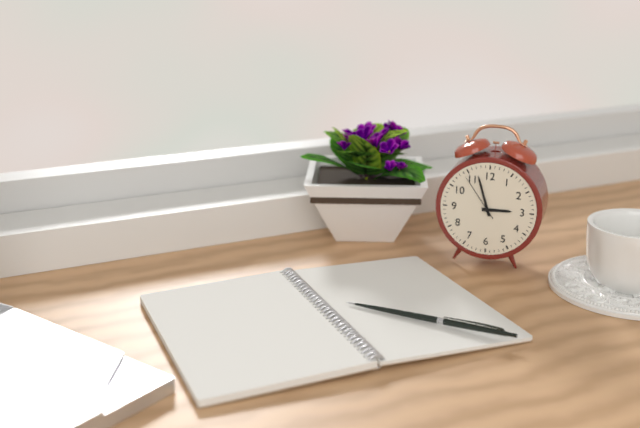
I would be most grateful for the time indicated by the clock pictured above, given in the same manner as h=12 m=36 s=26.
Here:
h=2 m=57 s=54
